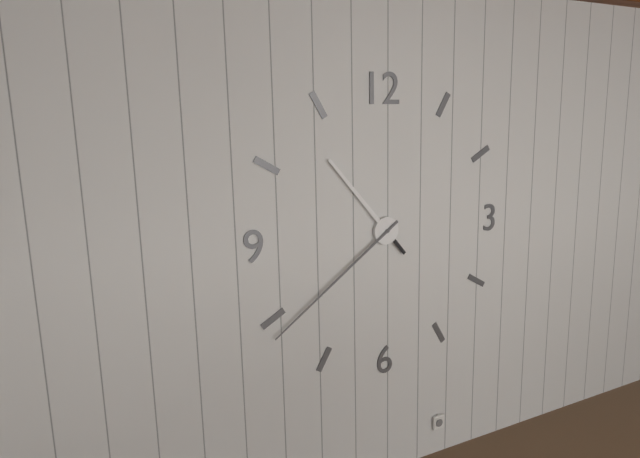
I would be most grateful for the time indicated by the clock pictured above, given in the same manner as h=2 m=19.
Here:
h=10 m=39
